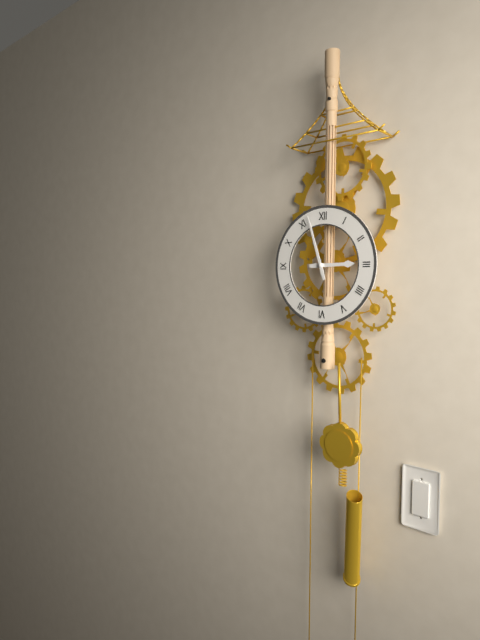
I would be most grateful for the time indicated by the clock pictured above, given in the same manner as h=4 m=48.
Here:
h=2 m=57
